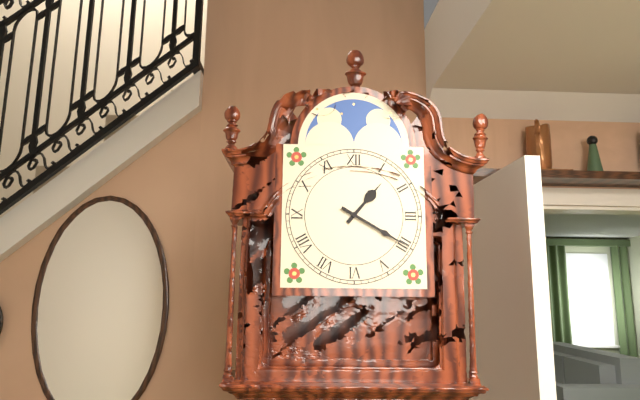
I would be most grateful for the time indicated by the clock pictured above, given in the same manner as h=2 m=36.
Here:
h=1 m=20
